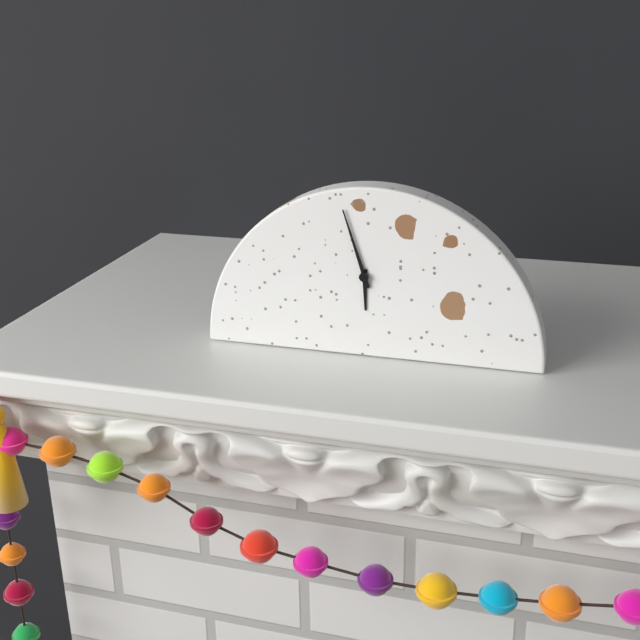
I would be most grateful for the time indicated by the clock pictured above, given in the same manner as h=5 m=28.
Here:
h=5 m=57
